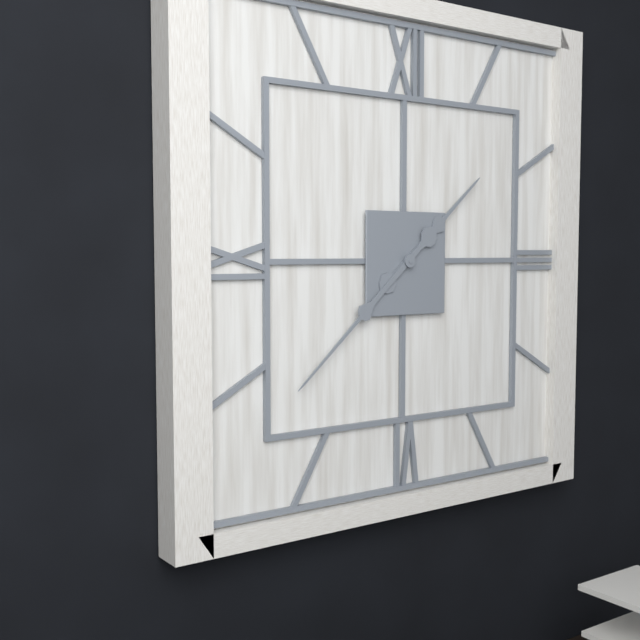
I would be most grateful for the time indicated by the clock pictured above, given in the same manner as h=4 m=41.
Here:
h=1 m=38
